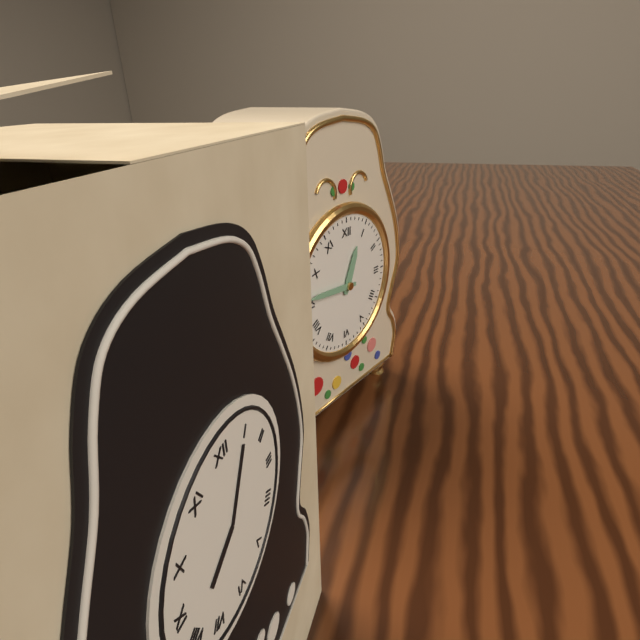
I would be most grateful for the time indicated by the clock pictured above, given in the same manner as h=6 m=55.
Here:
h=12 m=46
